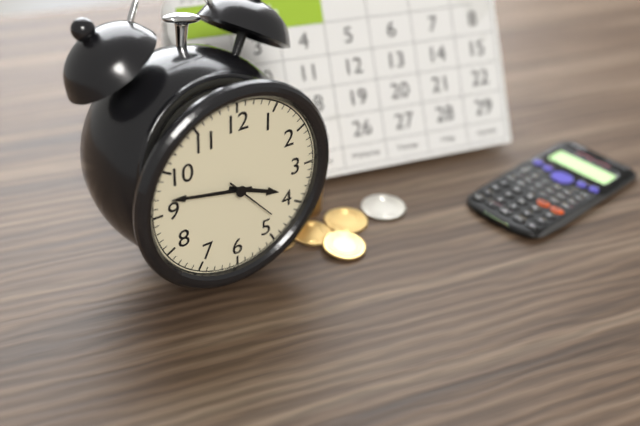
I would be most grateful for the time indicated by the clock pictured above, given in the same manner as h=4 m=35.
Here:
h=3 m=47
